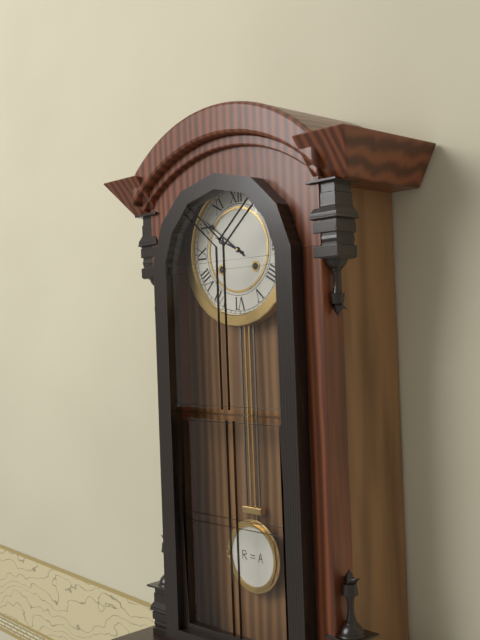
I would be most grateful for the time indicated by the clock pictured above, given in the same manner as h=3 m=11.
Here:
h=9 m=51
